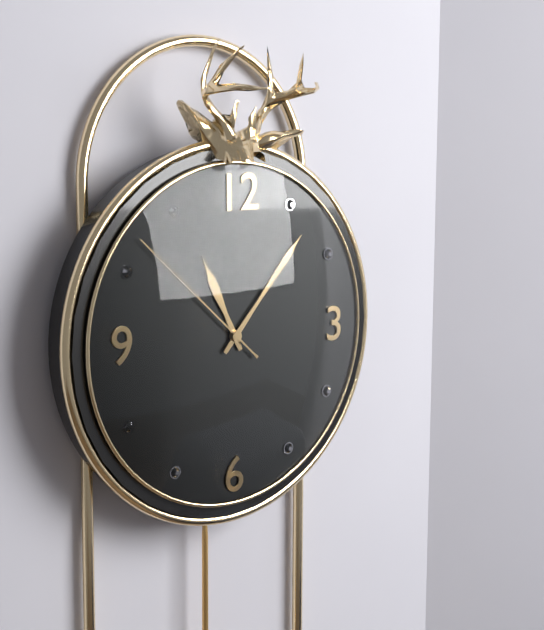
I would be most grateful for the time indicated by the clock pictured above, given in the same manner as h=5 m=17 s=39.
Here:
h=11 m=7 s=52
